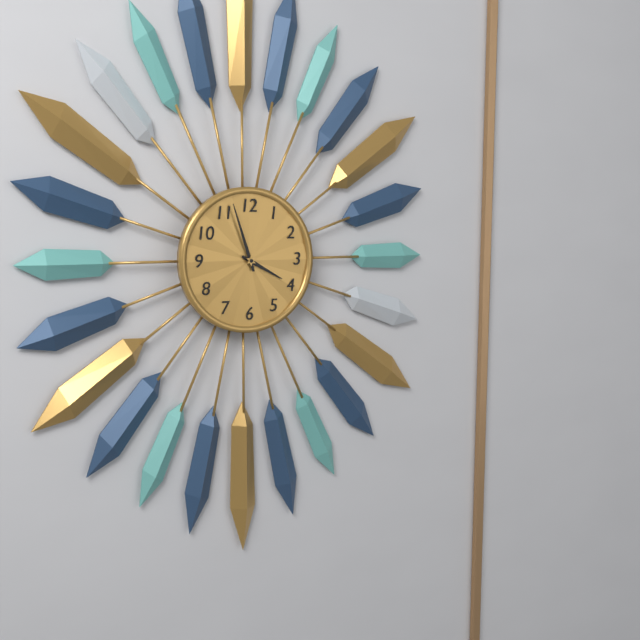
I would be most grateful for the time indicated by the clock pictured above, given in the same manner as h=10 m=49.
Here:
h=3 m=57
